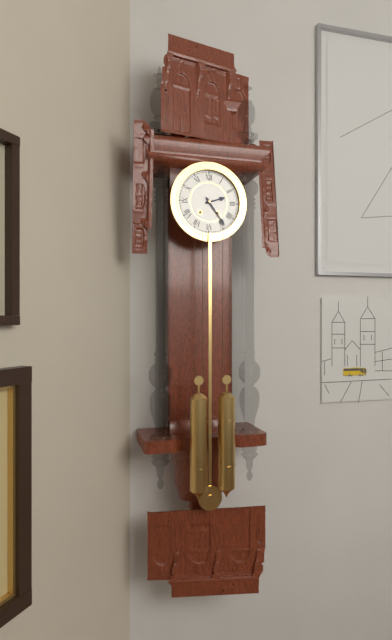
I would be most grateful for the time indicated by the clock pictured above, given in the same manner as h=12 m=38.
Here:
h=2 m=24
